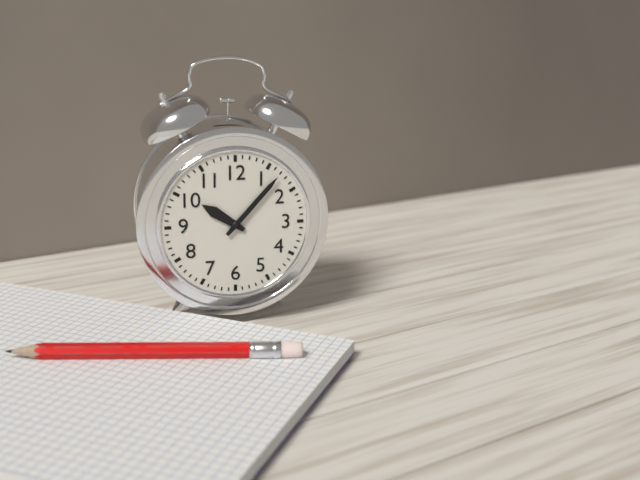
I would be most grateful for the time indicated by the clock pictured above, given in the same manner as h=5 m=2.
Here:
h=10 m=7
